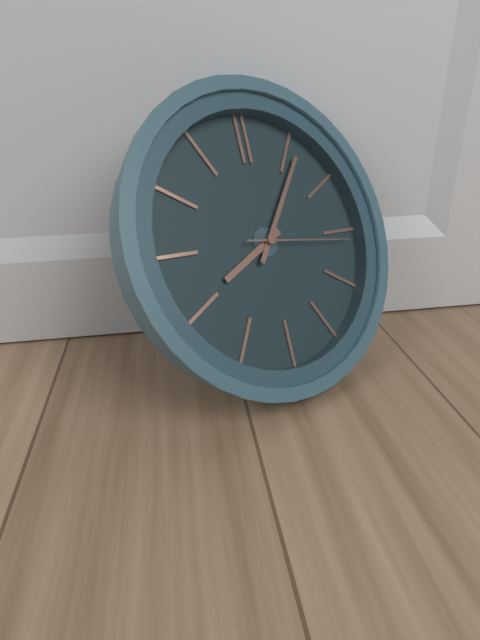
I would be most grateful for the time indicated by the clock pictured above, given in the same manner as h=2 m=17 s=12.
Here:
h=8 m=6 s=16
